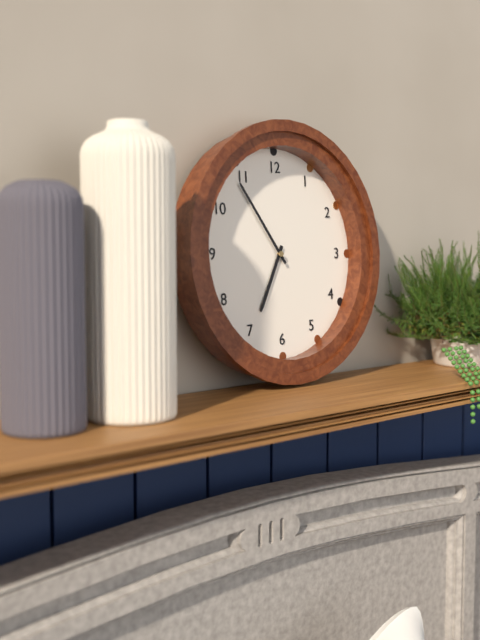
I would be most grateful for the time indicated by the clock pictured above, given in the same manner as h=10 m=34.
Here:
h=6 m=54
